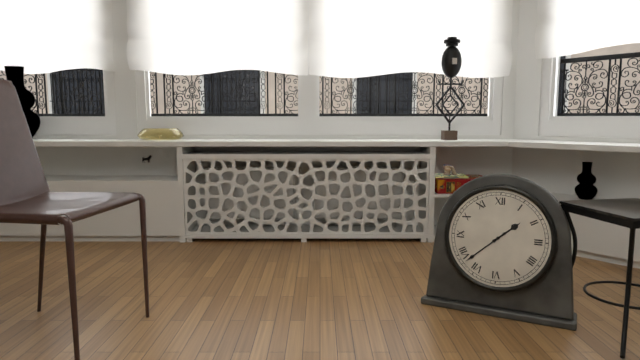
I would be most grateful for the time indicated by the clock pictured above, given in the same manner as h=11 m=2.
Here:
h=1 m=38
